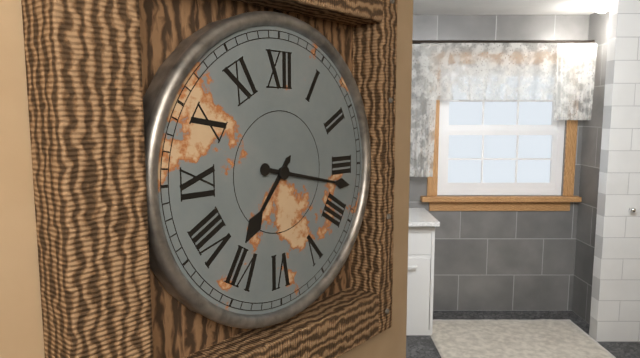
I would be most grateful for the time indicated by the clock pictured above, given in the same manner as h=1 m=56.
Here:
h=7 m=17
